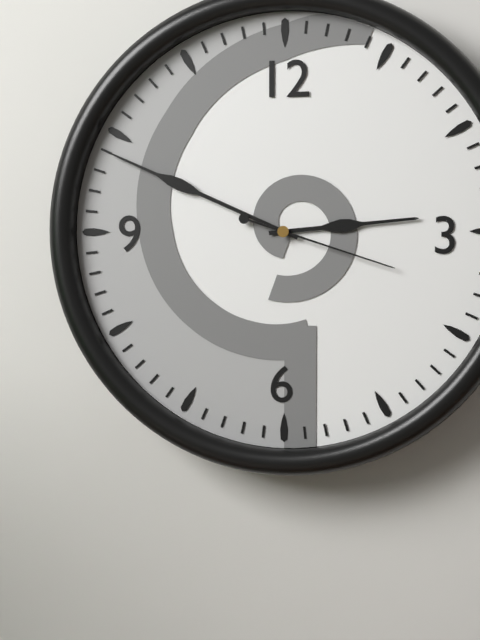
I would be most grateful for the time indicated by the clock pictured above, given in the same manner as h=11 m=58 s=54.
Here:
h=2 m=49 s=18
